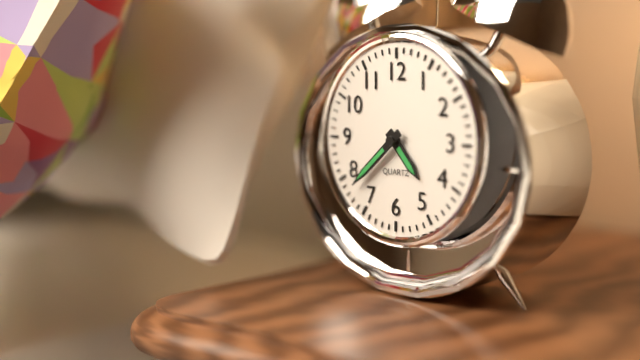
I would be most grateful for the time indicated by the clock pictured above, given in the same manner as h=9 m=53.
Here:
h=4 m=38
